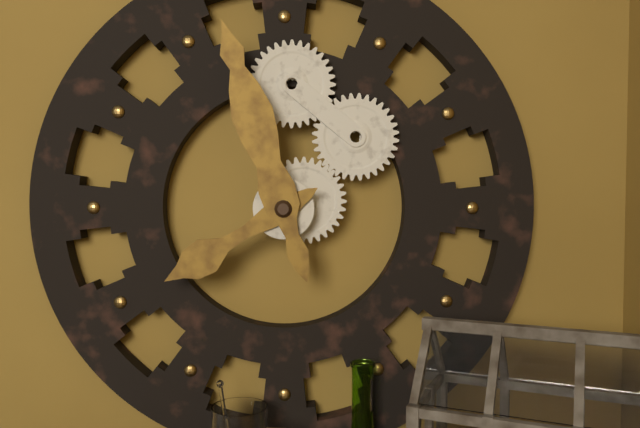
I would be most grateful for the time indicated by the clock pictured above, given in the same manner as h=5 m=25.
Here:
h=7 m=57
